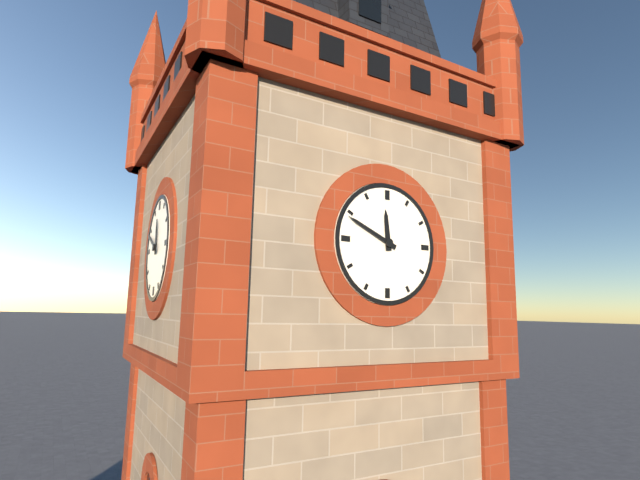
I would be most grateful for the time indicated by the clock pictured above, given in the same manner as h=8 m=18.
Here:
h=11 m=49
